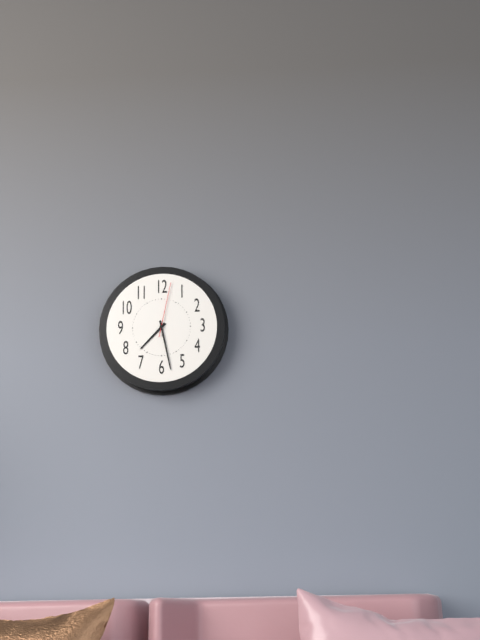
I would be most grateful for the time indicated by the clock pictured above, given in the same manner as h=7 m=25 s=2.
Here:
h=7 m=28 s=2
